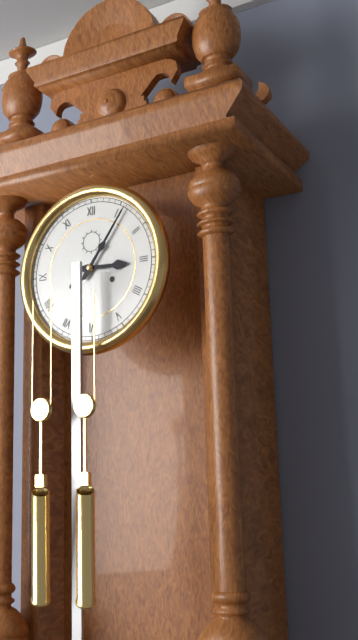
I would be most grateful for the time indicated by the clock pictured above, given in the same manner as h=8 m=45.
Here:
h=3 m=6
